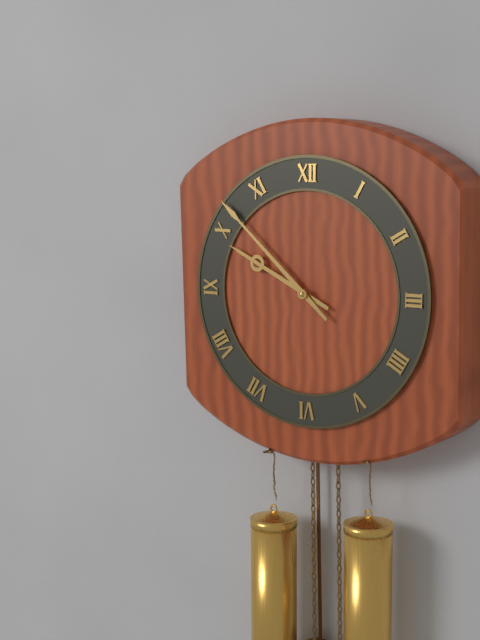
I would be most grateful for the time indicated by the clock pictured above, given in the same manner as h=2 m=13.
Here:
h=9 m=52
